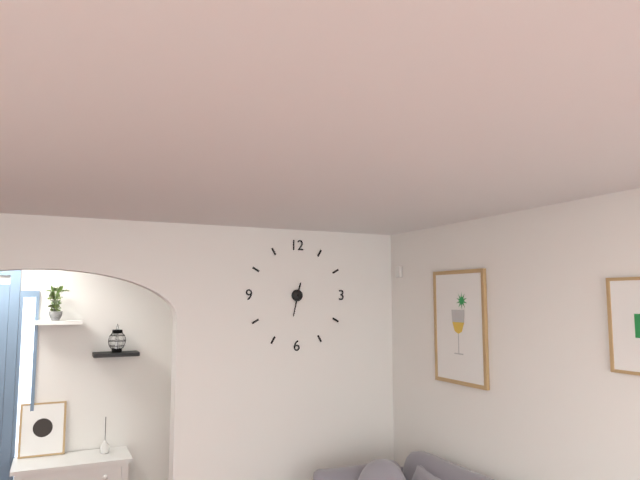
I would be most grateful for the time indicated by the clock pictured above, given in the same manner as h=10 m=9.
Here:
h=12 m=32
